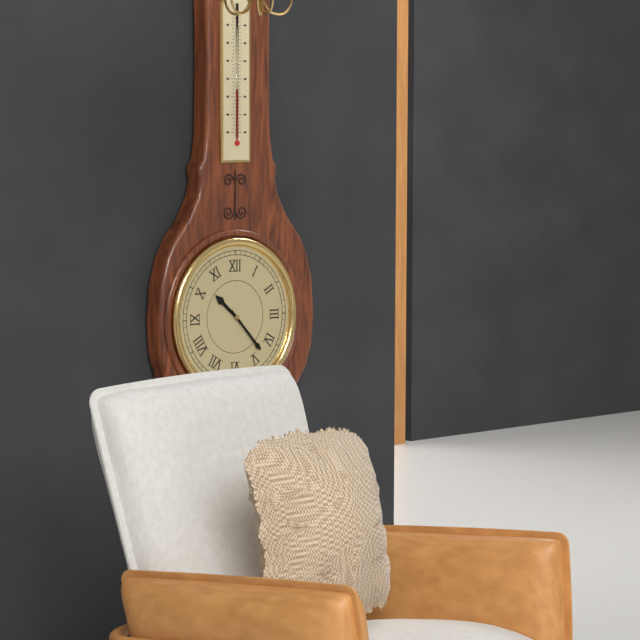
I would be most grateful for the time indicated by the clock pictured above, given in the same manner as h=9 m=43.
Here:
h=10 m=23
